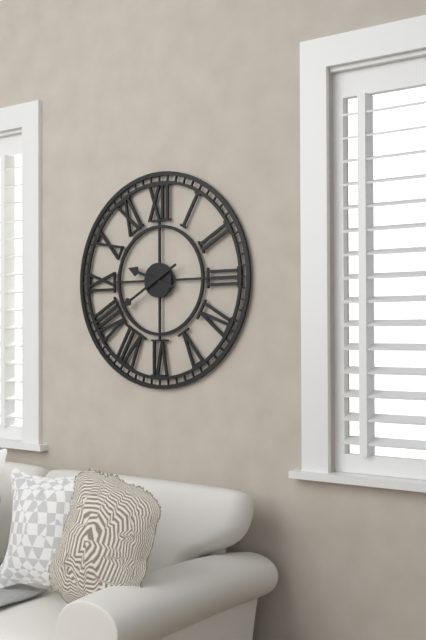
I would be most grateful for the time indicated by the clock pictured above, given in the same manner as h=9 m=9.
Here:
h=9 m=40
